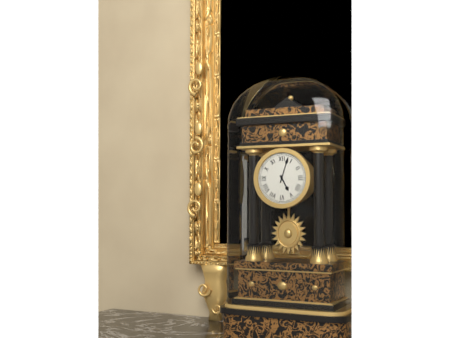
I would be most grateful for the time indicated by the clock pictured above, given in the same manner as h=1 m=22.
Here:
h=5 m=3
